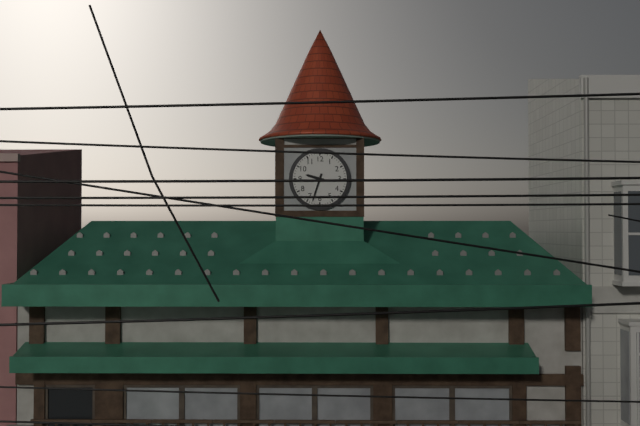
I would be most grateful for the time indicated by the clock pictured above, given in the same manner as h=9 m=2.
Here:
h=9 m=33
